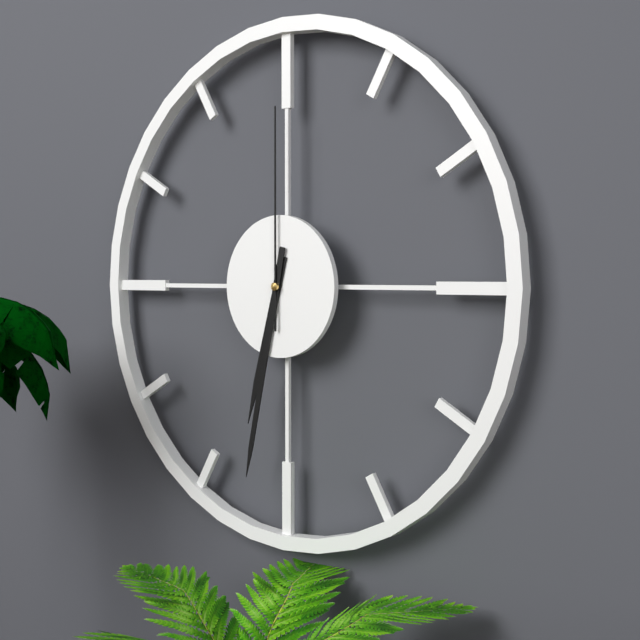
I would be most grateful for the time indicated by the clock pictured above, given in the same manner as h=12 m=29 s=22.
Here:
h=6 m=32 s=0
